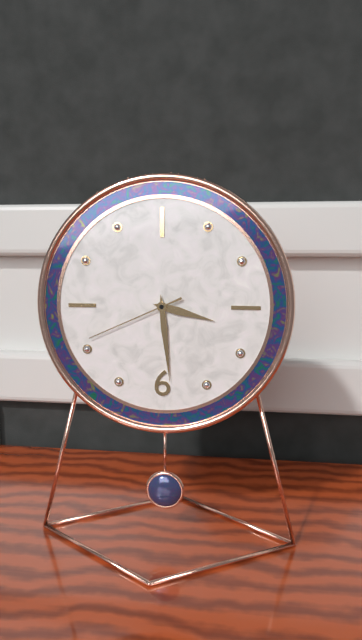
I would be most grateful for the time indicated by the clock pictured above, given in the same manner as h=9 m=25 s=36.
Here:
h=3 m=29 s=41
